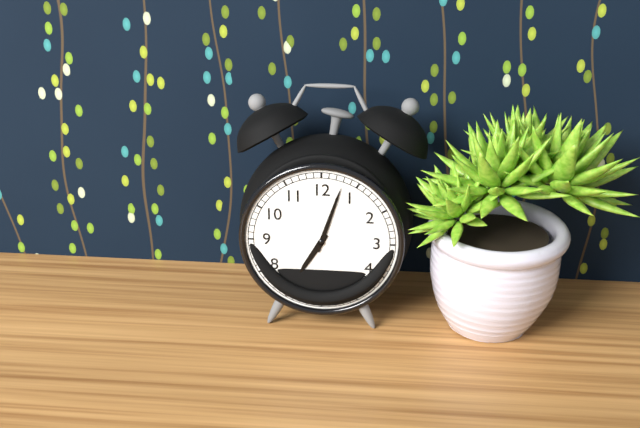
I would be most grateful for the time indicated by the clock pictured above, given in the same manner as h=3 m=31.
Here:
h=7 m=3
